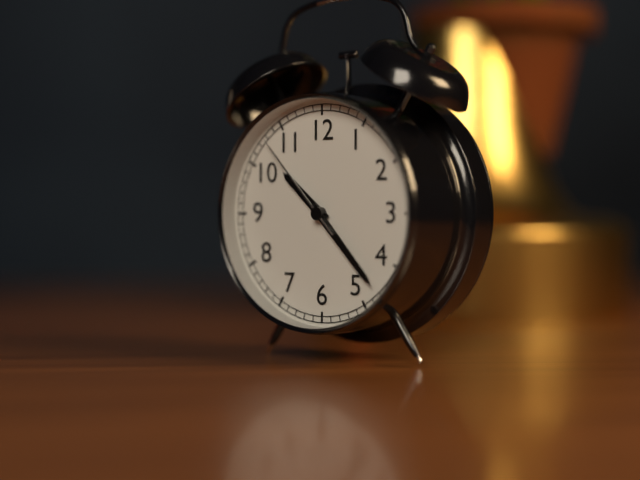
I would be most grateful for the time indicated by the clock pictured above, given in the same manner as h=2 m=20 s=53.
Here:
h=10 m=23 s=53
